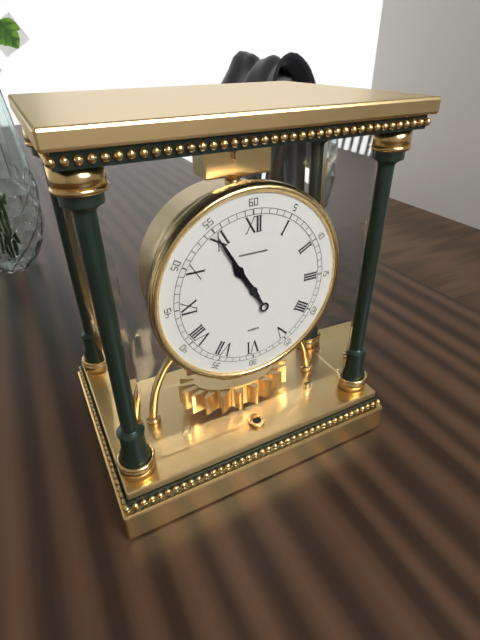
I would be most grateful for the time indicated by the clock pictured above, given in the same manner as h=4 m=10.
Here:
h=10 m=55
